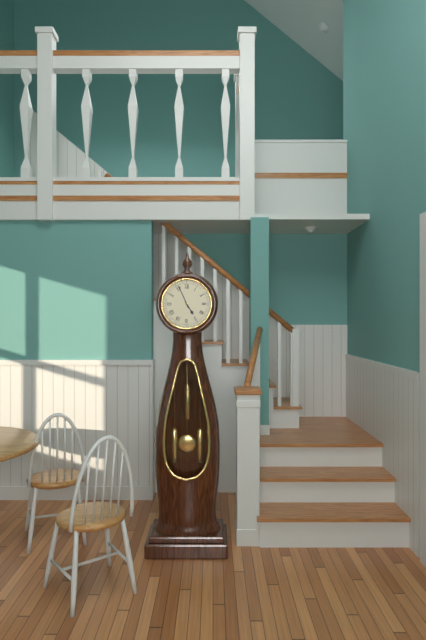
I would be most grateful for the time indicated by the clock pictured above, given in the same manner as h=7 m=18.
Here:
h=4 m=56
